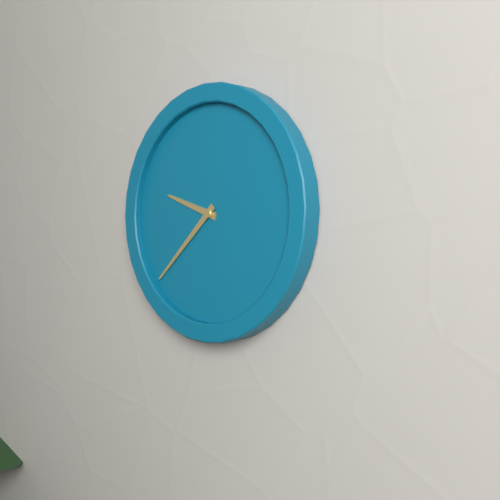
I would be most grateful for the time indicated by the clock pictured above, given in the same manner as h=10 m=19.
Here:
h=9 m=38
